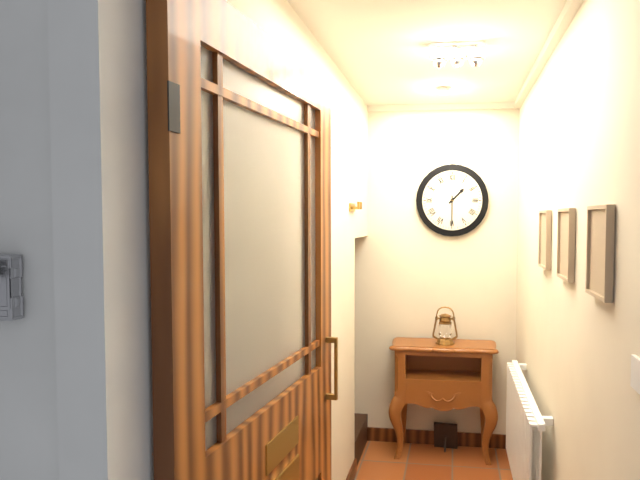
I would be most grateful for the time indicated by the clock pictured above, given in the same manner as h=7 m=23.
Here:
h=1 m=30
